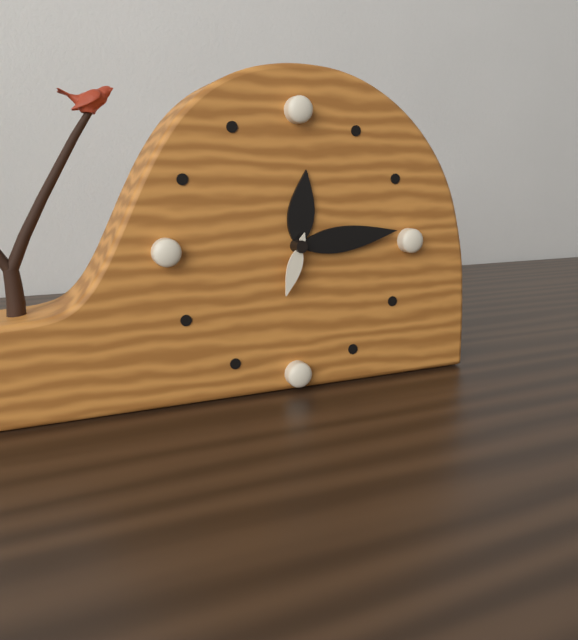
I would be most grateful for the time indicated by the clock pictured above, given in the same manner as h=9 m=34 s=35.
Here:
h=12 m=14 s=33
